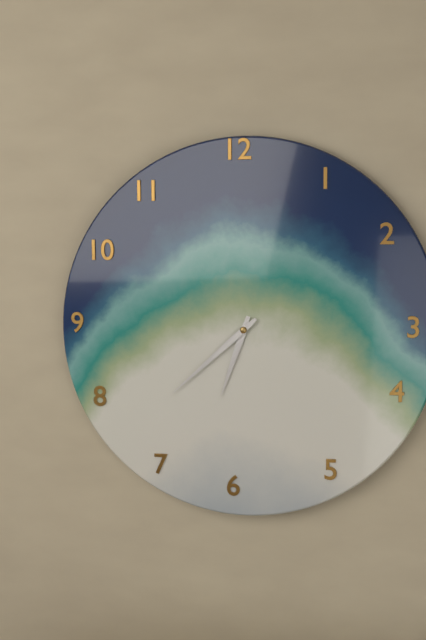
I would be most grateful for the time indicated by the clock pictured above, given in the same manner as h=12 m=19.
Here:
h=6 m=38
